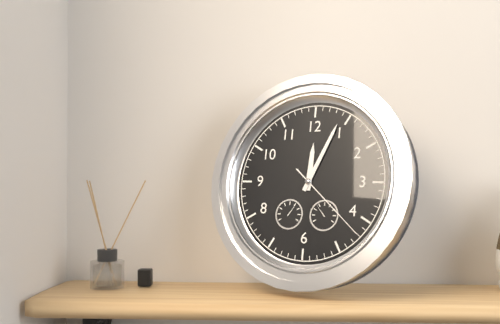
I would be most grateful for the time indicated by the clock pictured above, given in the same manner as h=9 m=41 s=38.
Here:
h=12 m=4 s=22
